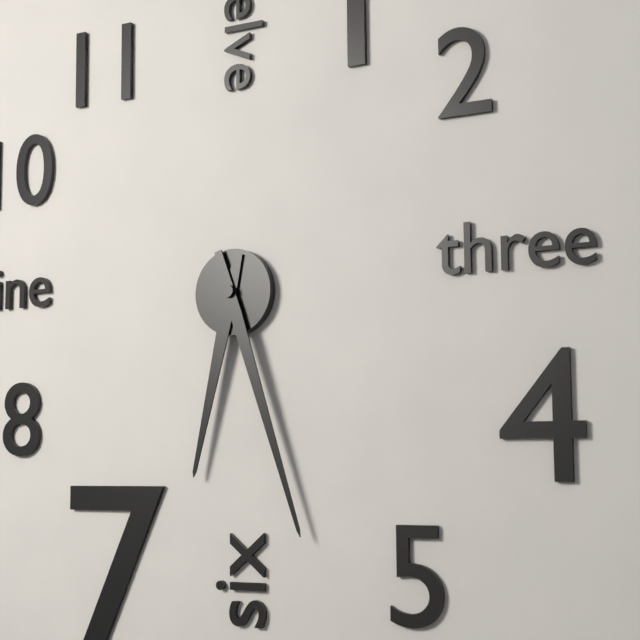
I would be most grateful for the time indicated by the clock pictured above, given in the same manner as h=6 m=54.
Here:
h=6 m=27
